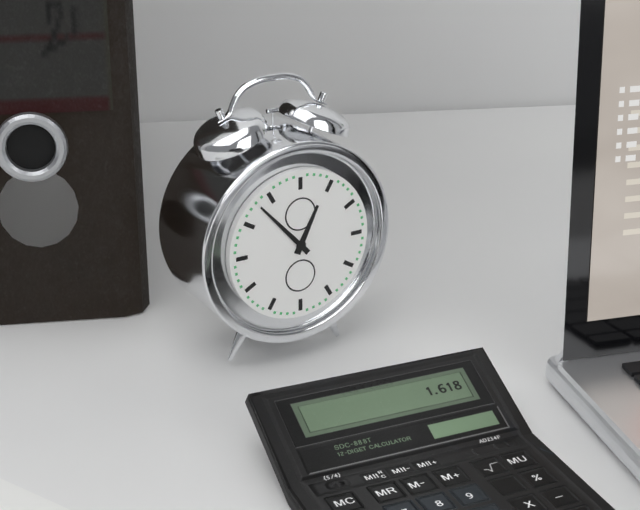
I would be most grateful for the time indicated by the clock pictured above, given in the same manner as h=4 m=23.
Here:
h=12 m=53
